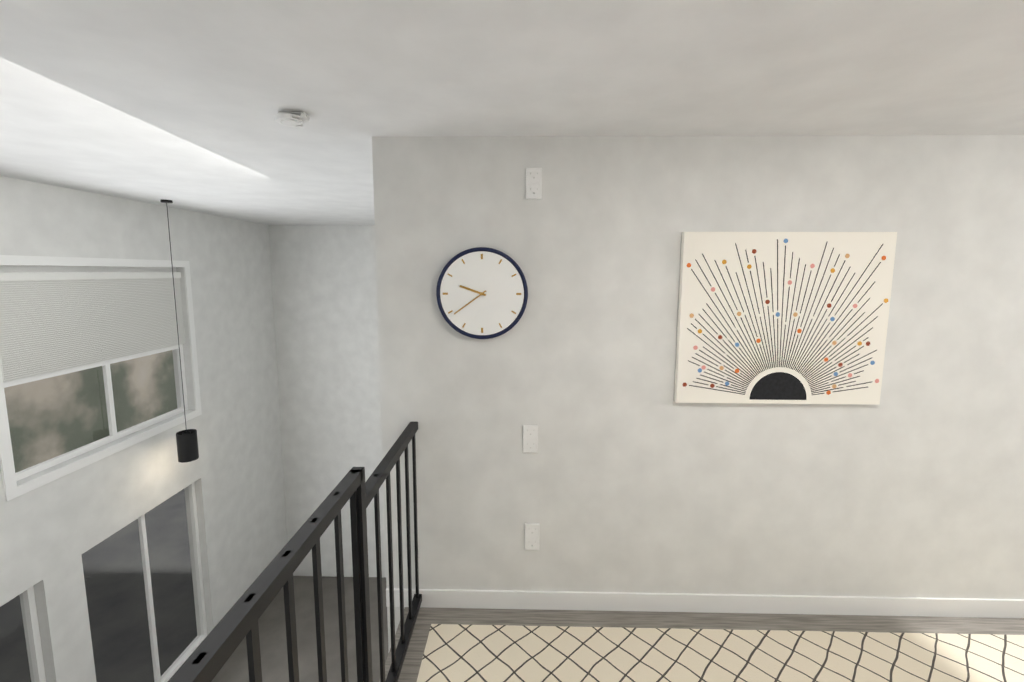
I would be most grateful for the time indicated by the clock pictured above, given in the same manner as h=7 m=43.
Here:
h=9 m=39
